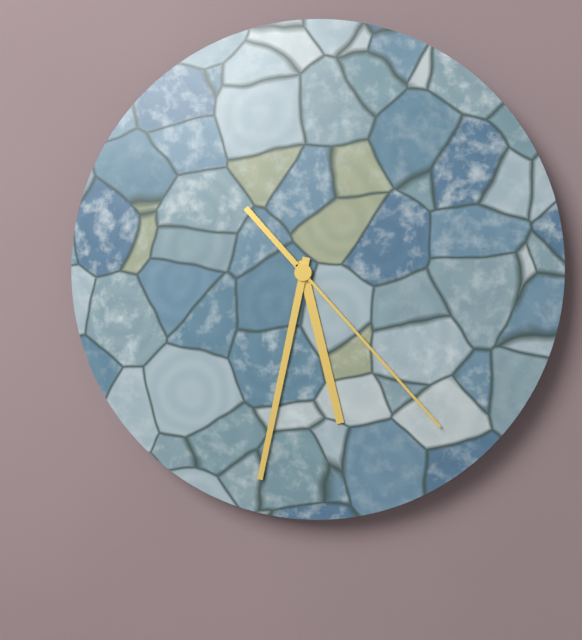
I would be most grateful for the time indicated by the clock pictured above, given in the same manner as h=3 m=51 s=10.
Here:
h=5 m=32 s=23
